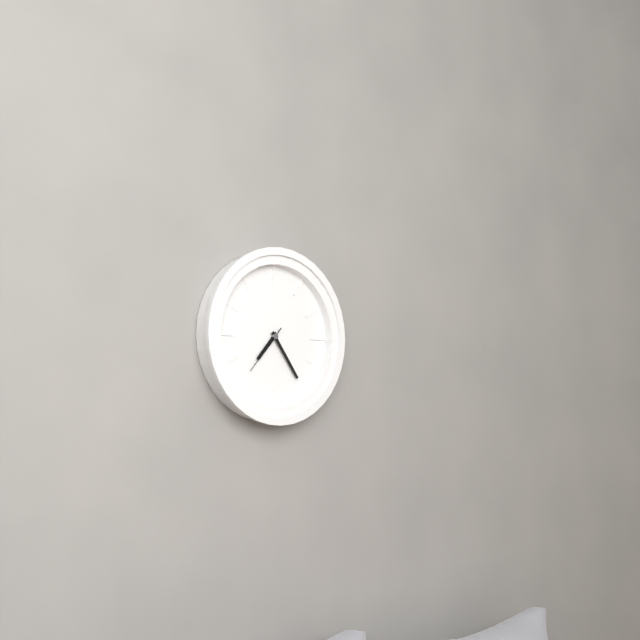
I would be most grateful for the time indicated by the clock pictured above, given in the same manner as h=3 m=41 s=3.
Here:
h=7 m=24 s=37
